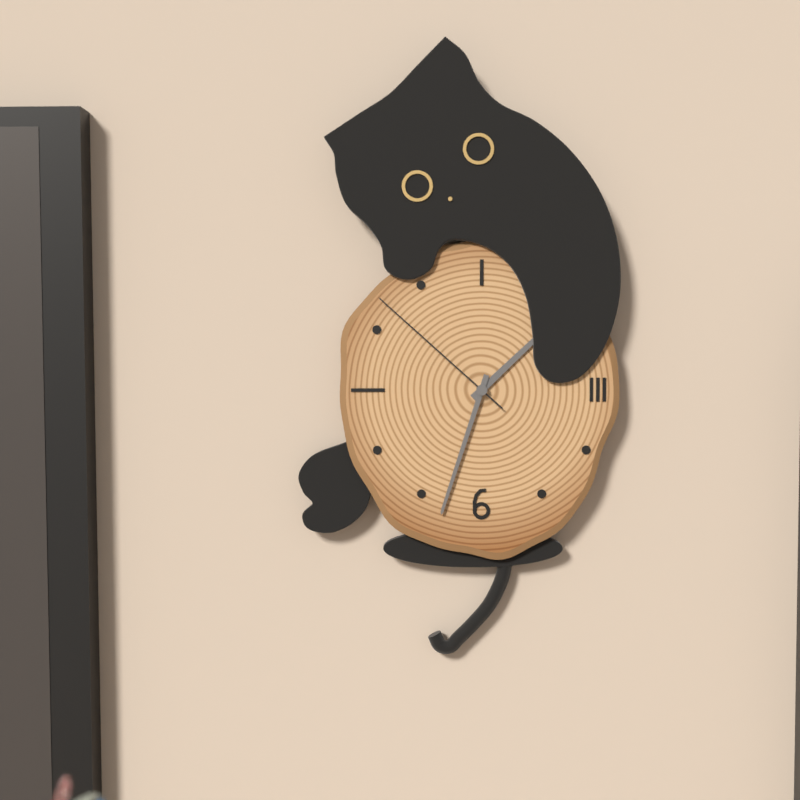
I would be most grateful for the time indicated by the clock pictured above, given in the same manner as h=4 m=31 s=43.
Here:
h=1 m=33 s=52
